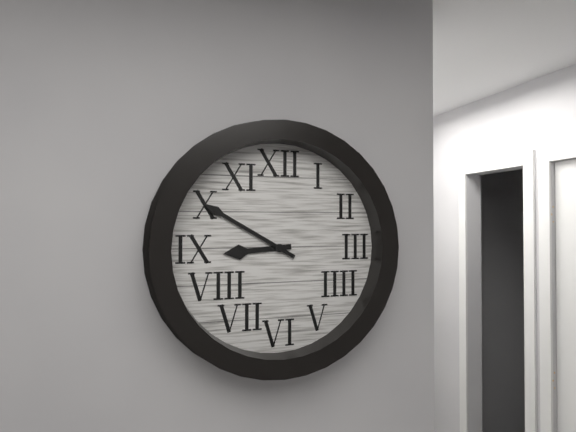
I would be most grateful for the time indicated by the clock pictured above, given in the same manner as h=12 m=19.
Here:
h=8 m=50
